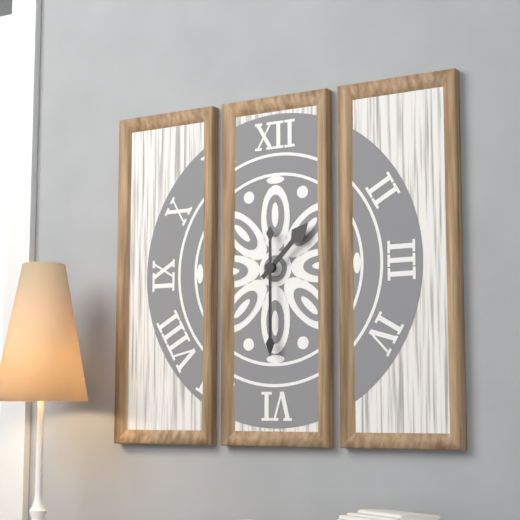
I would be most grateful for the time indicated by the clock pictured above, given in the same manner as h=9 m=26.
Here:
h=1 m=30
